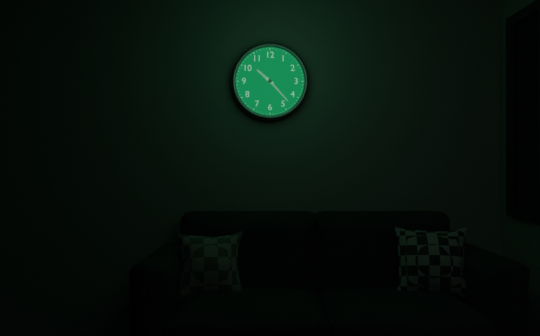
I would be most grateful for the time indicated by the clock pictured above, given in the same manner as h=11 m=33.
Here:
h=10 m=23
